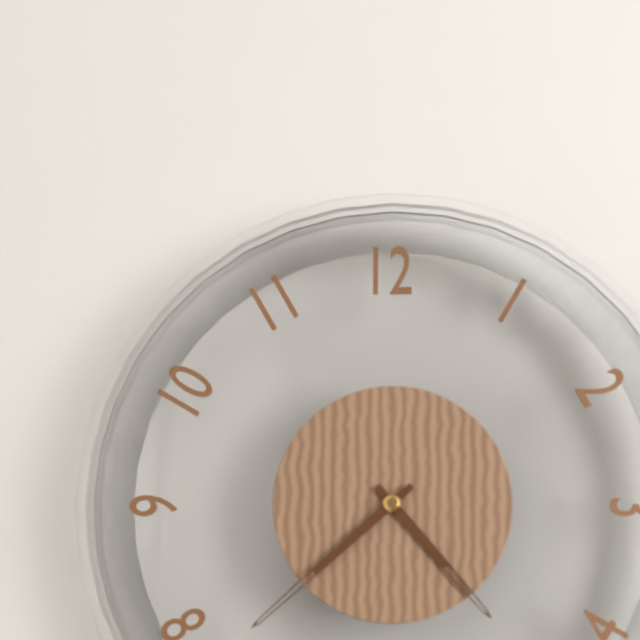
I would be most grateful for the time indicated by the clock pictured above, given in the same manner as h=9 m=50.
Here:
h=4 m=38
